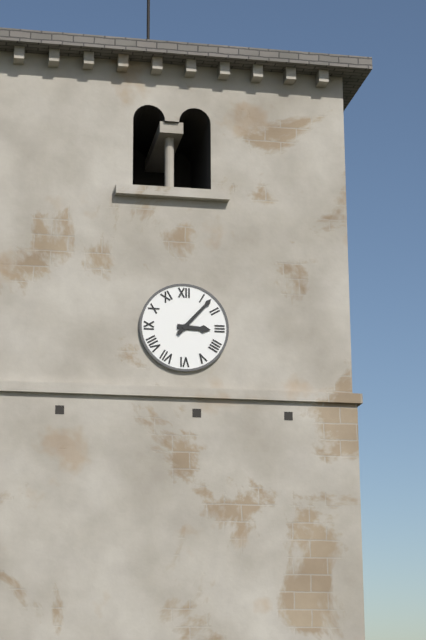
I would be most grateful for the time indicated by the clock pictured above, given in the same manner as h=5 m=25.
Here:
h=3 m=7
